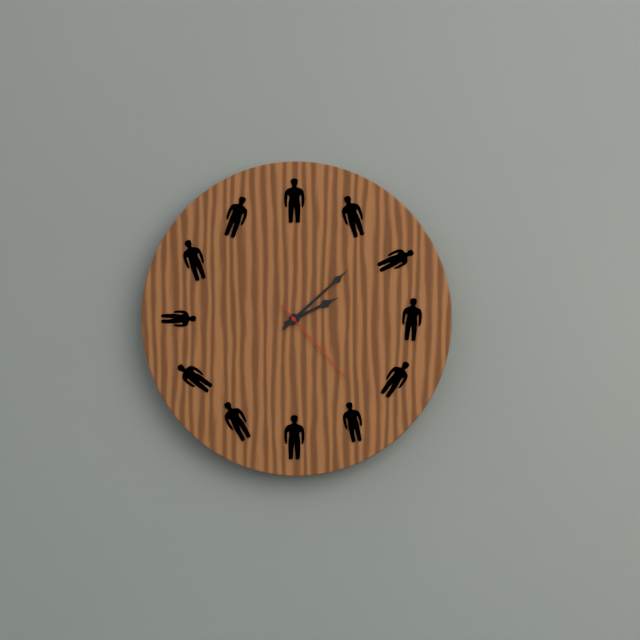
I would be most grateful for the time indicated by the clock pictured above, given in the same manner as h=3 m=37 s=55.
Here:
h=2 m=8 s=23
